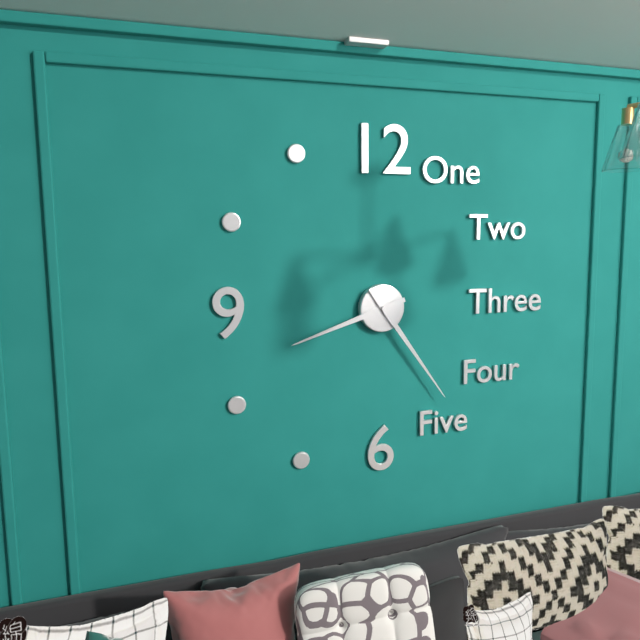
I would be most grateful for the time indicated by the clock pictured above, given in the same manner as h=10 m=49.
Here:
h=8 m=24
